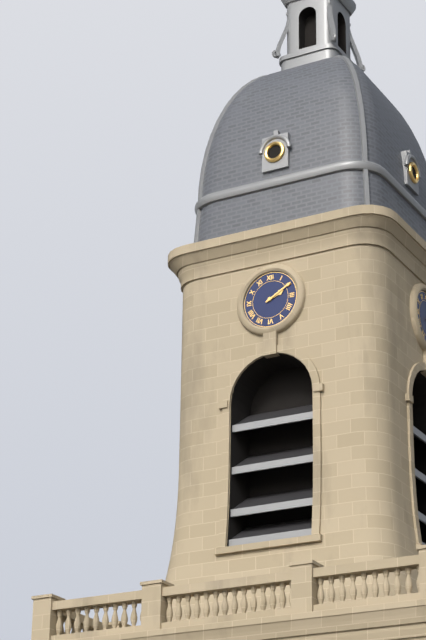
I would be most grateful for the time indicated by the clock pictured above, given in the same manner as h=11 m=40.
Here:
h=2 m=10
